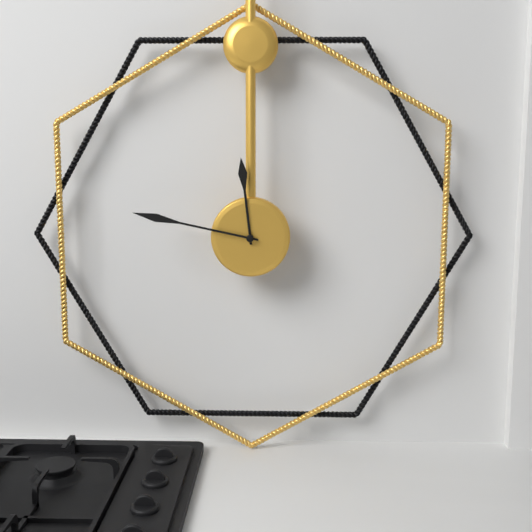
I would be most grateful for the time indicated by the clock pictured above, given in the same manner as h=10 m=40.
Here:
h=11 m=47
